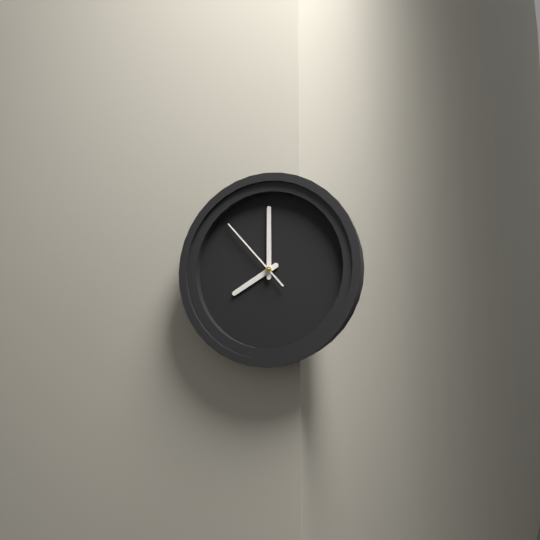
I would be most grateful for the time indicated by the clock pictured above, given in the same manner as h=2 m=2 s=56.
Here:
h=8 m=0 s=53
